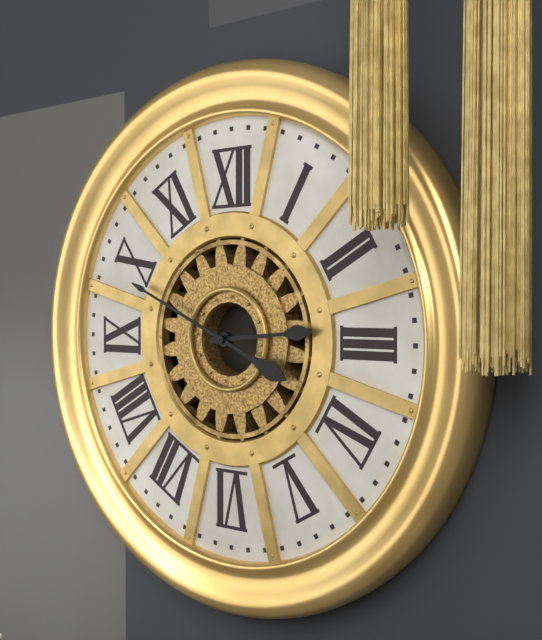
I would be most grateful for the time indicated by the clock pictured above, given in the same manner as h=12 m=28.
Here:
h=2 m=49
